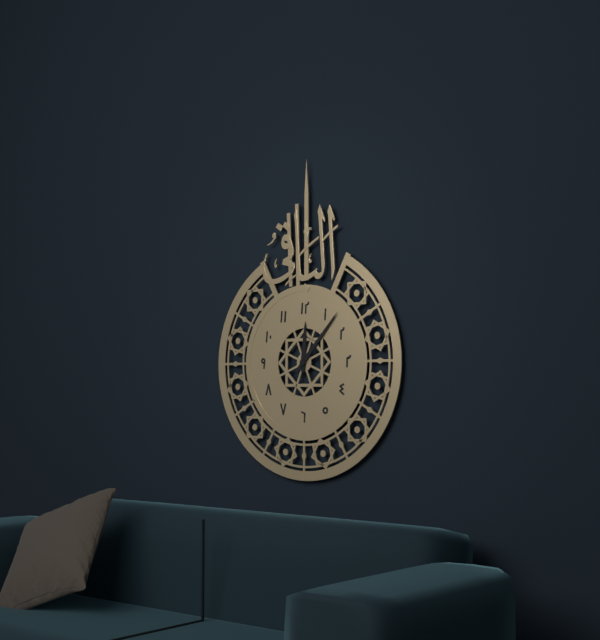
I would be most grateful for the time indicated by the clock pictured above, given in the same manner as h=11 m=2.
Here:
h=12 m=7
